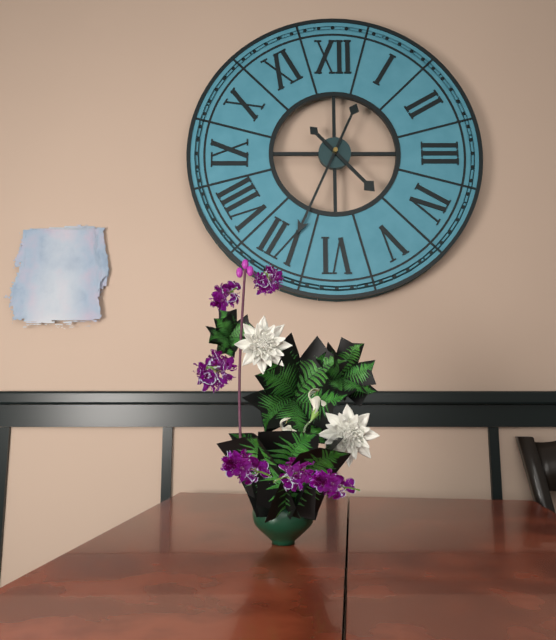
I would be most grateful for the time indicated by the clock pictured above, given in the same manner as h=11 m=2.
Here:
h=4 m=34
